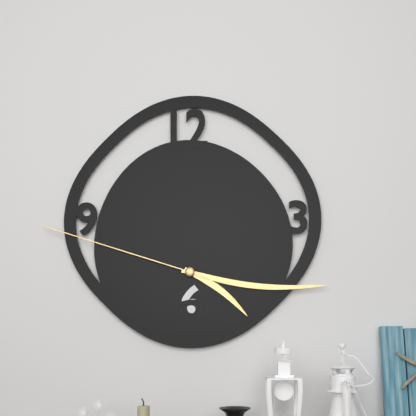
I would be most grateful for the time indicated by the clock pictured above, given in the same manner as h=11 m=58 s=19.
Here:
h=4 m=16 s=48
